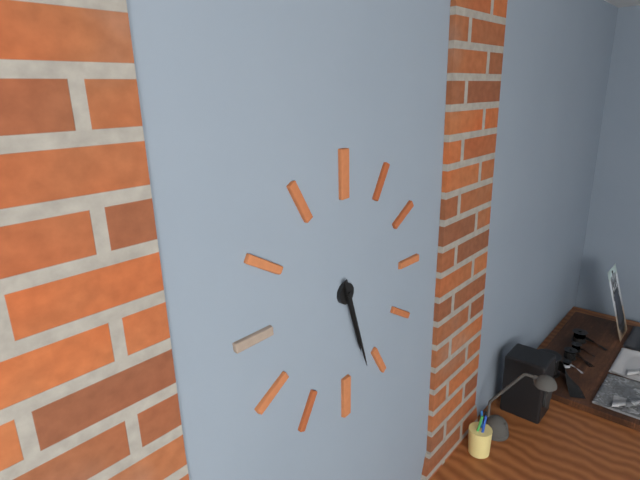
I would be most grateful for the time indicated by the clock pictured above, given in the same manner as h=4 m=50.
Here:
h=5 m=27
